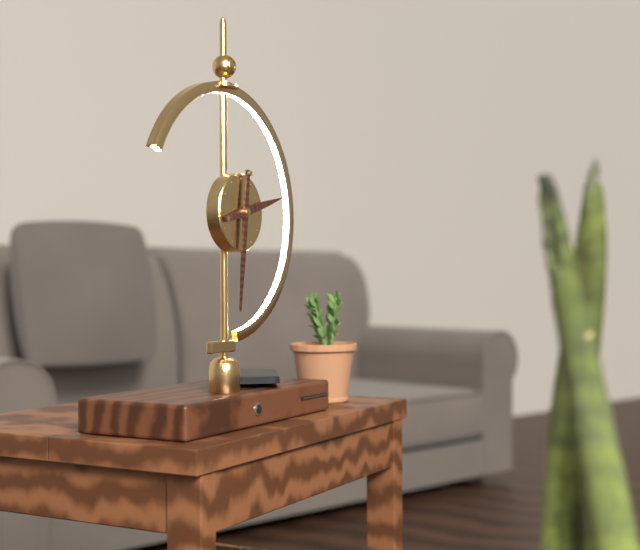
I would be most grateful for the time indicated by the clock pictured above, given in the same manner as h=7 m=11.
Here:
h=2 m=31
